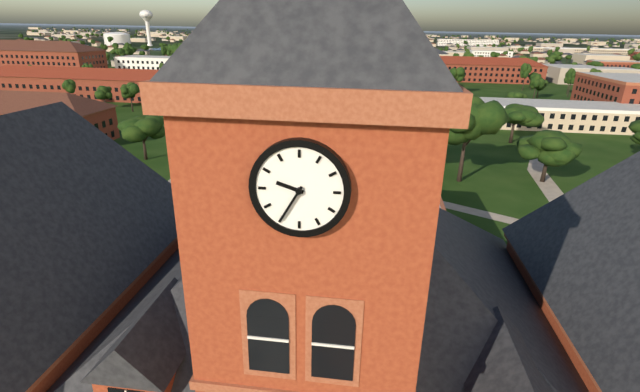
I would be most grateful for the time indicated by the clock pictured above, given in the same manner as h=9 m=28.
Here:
h=9 m=35
